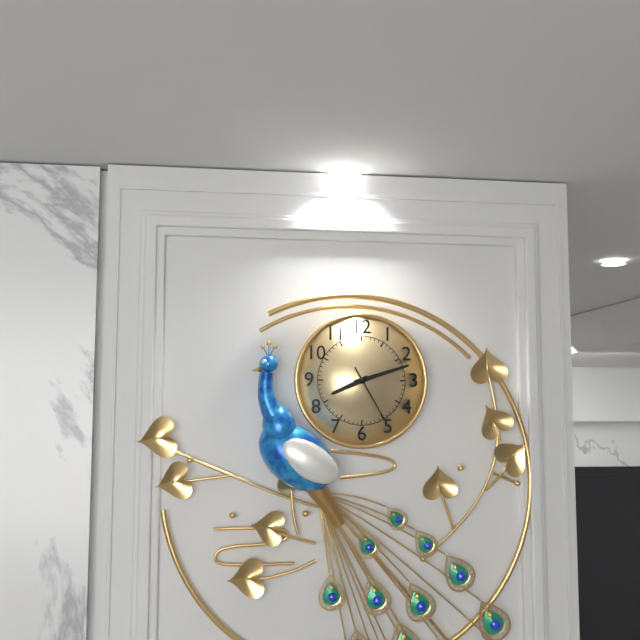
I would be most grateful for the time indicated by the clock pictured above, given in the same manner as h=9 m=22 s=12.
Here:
h=8 m=12 s=25
